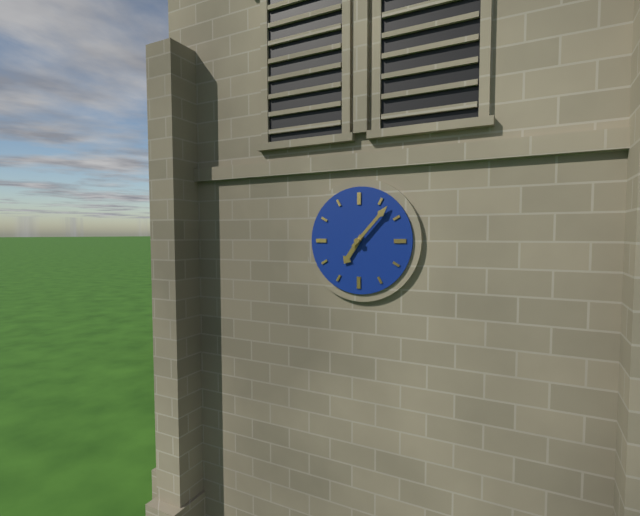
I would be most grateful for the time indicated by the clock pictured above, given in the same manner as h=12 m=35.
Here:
h=7 m=7
